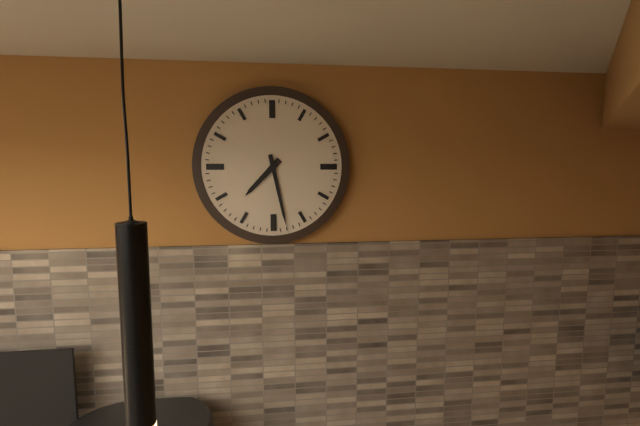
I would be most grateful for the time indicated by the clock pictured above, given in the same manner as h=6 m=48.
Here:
h=7 m=28
